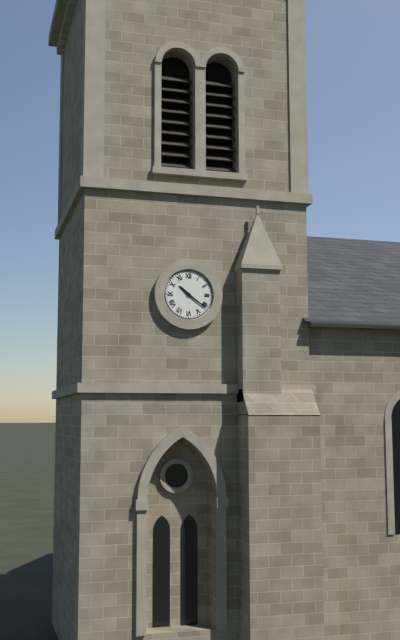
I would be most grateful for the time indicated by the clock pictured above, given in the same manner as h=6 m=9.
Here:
h=10 m=21
